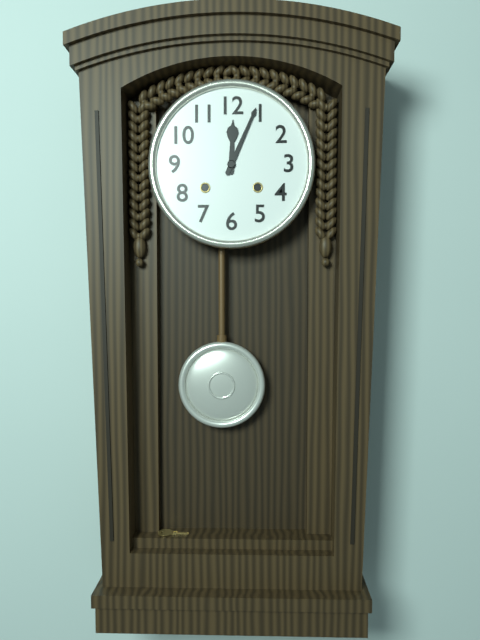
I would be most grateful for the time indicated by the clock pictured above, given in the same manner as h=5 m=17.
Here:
h=12 m=4
